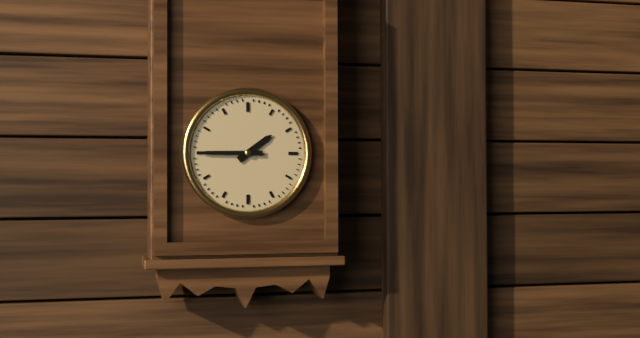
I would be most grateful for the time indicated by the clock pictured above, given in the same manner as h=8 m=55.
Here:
h=1 m=45
